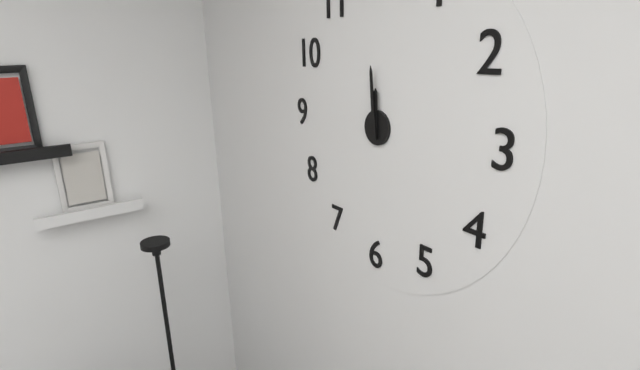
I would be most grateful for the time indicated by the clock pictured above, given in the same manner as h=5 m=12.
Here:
h=11 m=59
